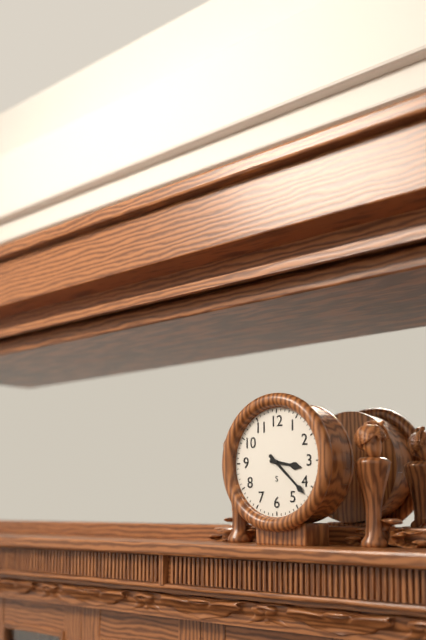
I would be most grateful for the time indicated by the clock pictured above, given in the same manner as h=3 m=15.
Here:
h=3 m=22
